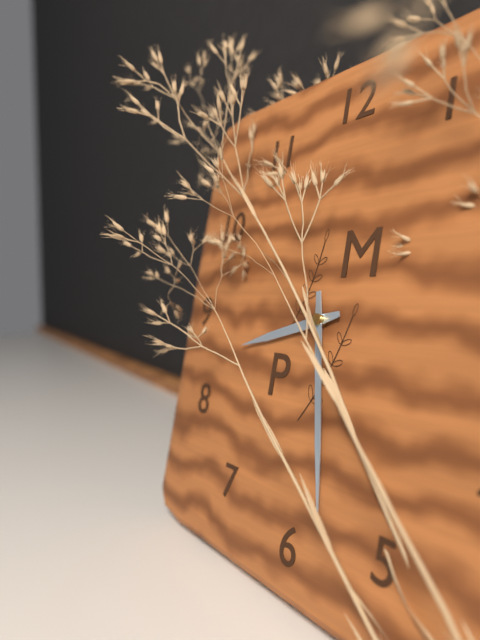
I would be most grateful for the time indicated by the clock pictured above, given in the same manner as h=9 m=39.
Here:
h=8 m=28
